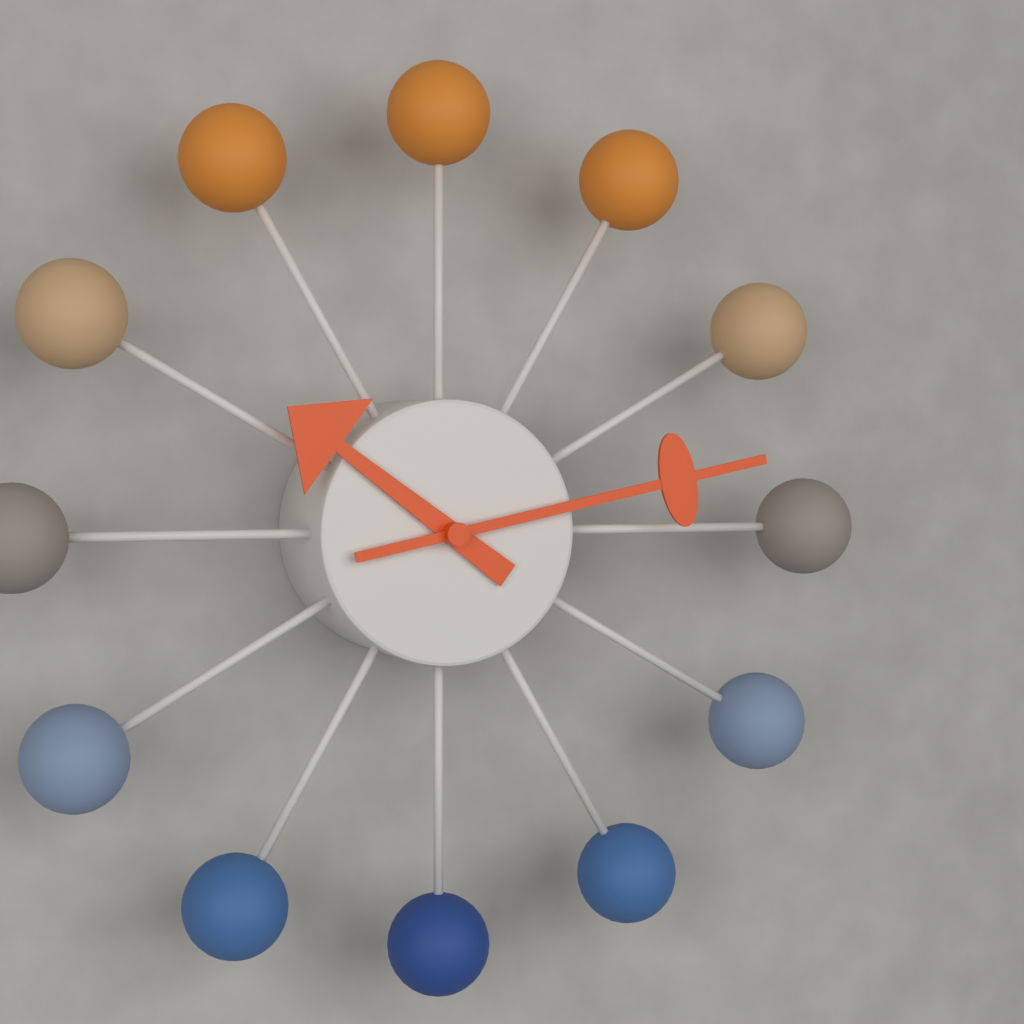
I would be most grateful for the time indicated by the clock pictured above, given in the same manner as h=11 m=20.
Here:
h=10 m=13
